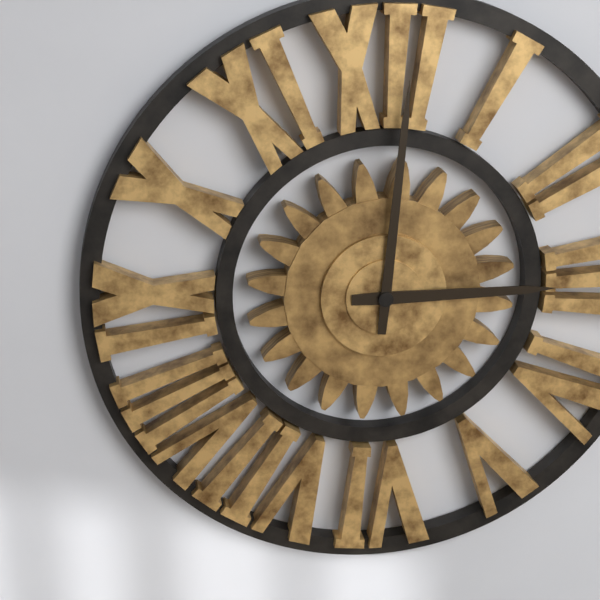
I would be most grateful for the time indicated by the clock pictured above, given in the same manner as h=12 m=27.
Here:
h=3 m=1
